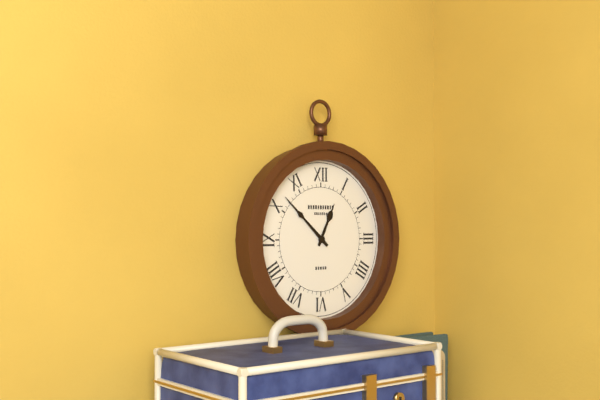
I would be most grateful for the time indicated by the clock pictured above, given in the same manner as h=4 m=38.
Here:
h=12 m=52
